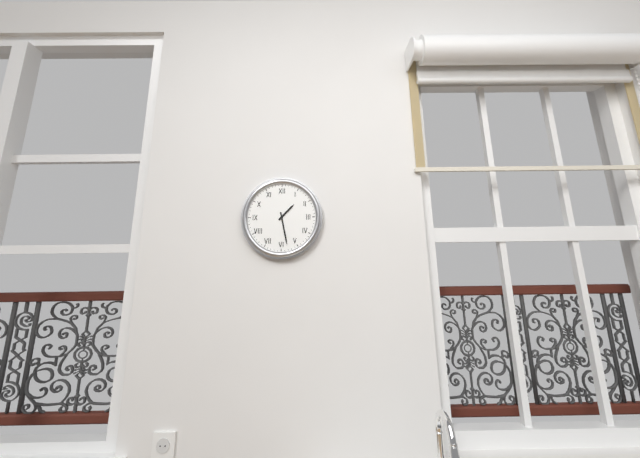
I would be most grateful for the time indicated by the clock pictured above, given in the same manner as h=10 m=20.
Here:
h=1 m=28
